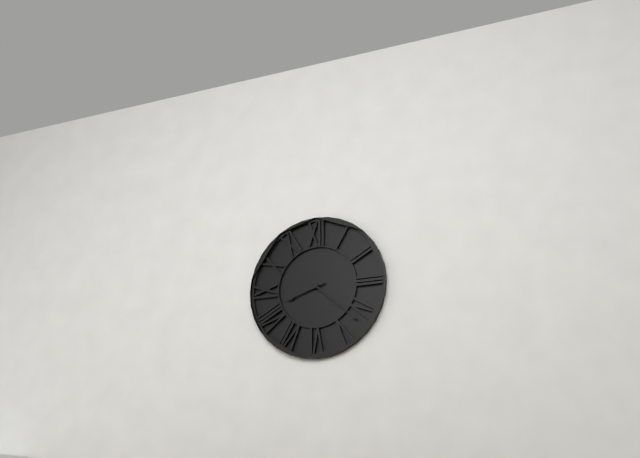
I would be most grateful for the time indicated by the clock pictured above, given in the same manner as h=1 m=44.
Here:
h=8 m=22
